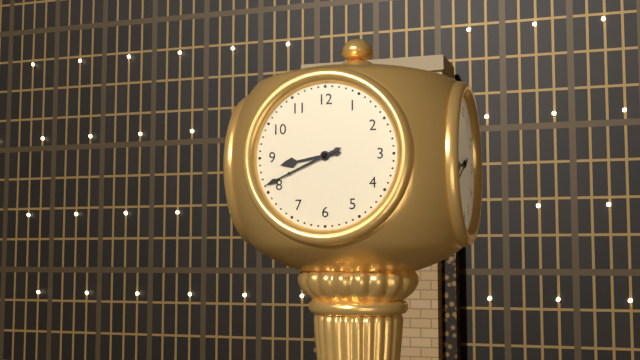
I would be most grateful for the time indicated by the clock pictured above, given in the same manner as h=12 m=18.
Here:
h=8 m=41
